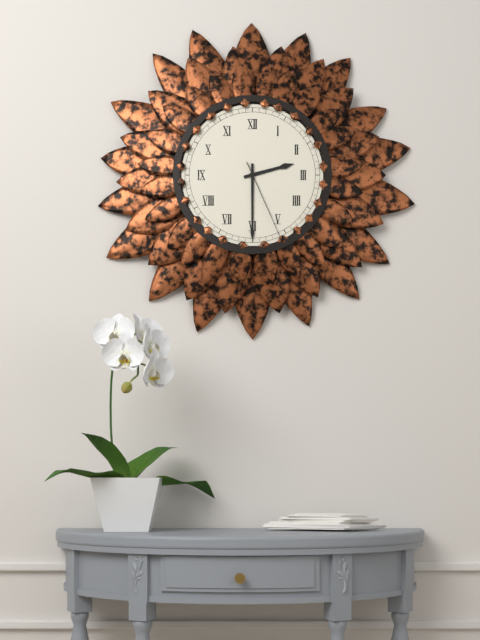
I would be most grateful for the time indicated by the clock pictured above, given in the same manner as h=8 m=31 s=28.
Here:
h=2 m=30 s=26
